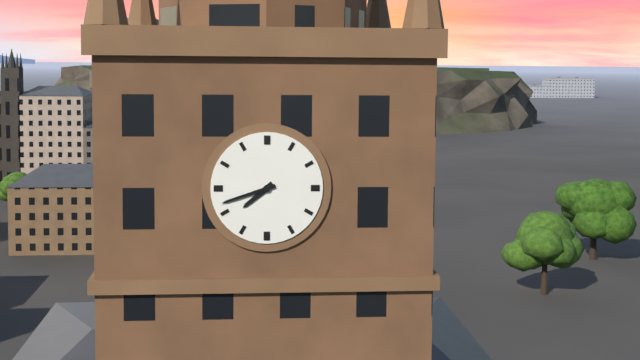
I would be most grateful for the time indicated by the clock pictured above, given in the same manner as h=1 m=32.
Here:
h=7 m=42
